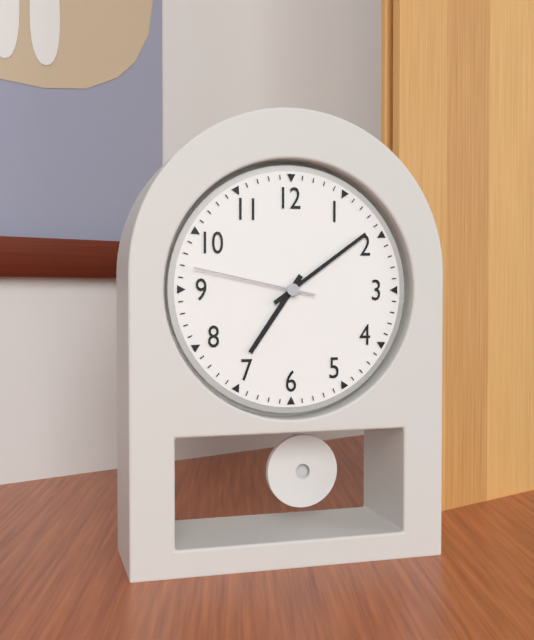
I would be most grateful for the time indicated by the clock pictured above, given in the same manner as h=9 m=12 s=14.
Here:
h=7 m=9 s=47
